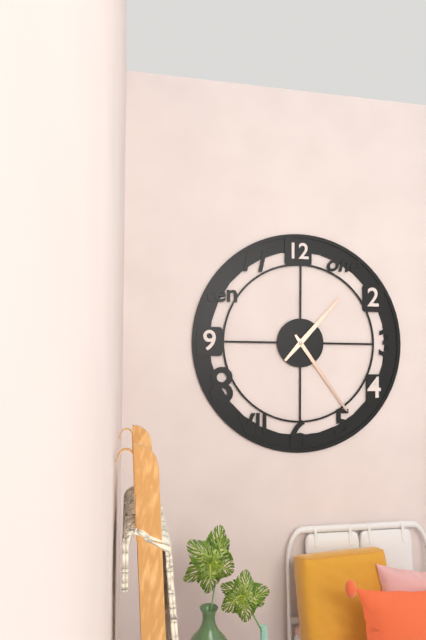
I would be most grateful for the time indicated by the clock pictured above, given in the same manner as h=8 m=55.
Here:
h=1 m=24
